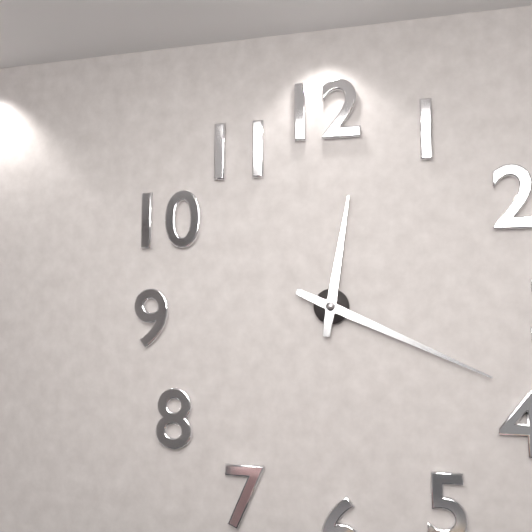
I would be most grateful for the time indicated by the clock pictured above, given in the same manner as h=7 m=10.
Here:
h=12 m=19
